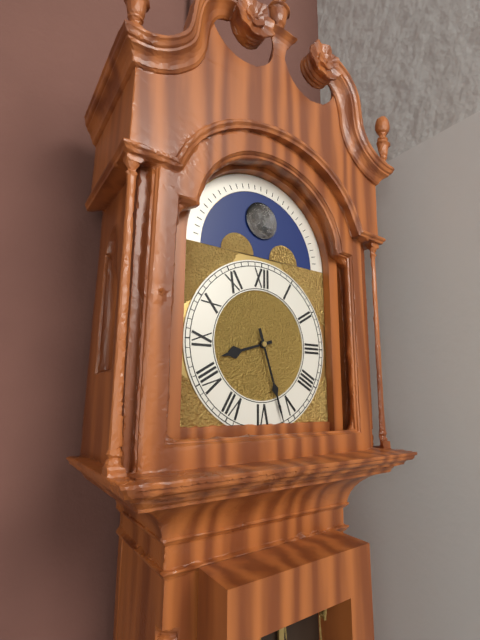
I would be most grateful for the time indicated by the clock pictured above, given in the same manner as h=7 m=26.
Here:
h=8 m=27
